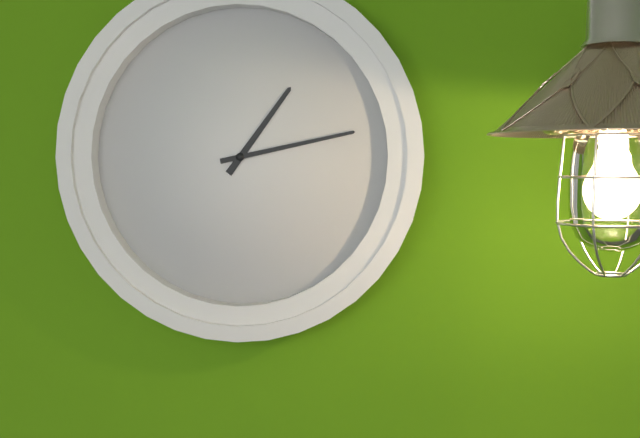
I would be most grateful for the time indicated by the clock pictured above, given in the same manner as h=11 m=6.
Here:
h=1 m=13
